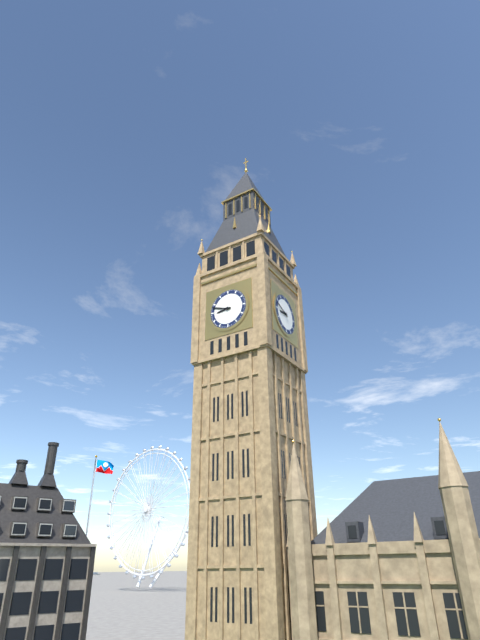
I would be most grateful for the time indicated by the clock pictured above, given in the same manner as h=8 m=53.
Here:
h=8 m=48
